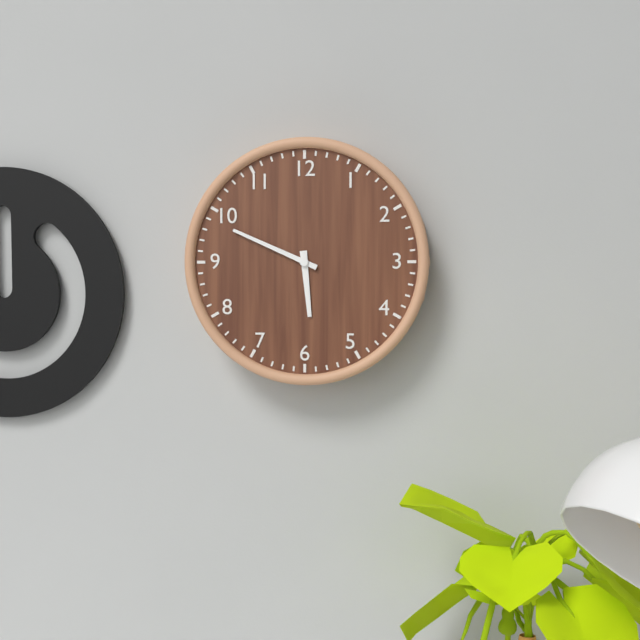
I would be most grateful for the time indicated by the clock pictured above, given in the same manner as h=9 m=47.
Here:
h=5 m=49
